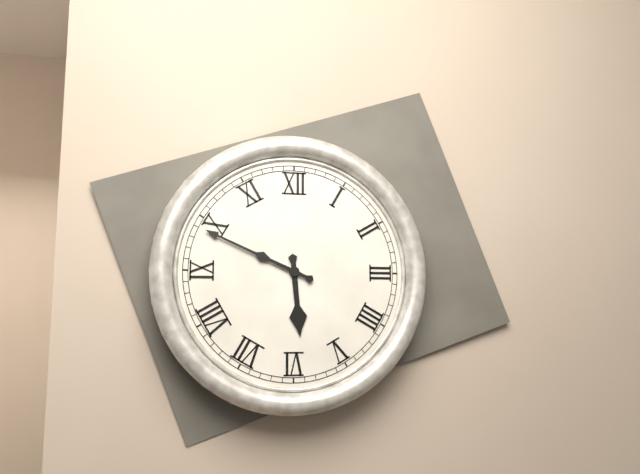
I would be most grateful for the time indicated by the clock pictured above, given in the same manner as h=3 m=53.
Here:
h=5 m=49
